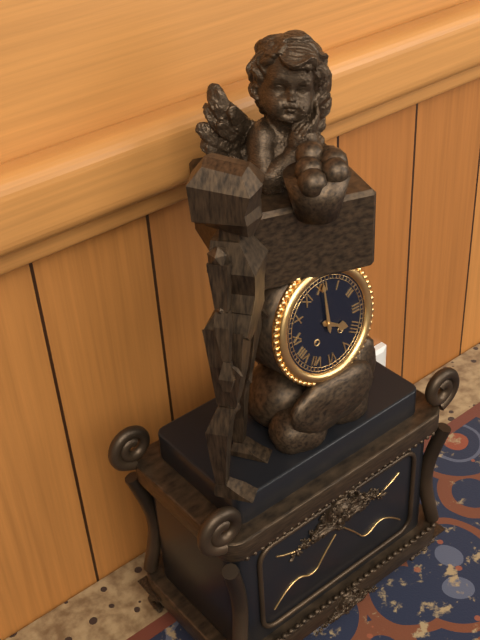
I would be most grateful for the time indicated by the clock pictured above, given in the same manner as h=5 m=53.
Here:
h=4 m=0
